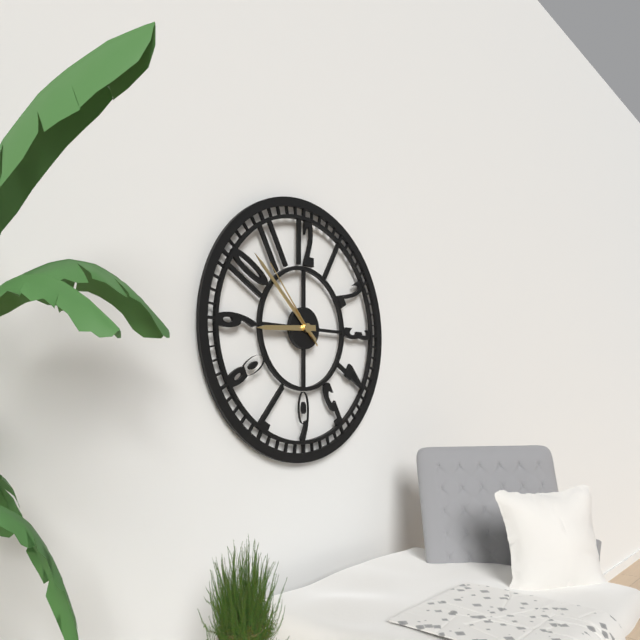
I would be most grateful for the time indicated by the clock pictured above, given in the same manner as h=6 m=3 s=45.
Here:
h=8 m=52 s=53
